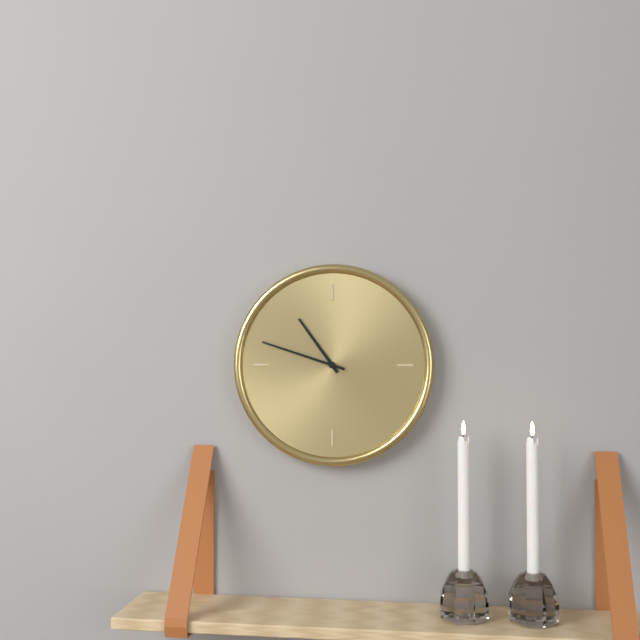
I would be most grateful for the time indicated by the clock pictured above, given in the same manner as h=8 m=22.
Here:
h=10 m=48
